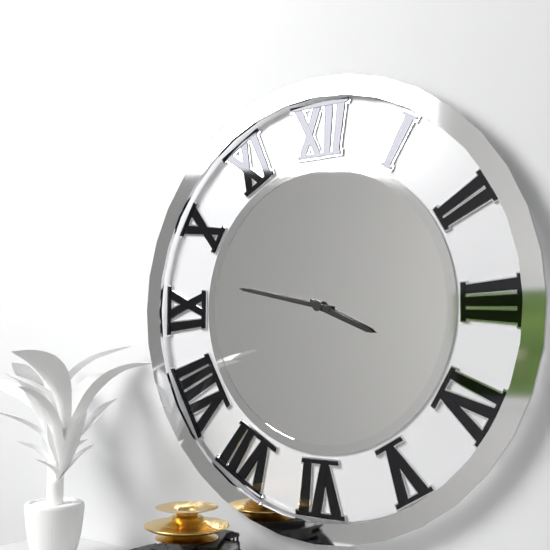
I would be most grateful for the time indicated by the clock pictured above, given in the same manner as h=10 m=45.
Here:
h=3 m=47
